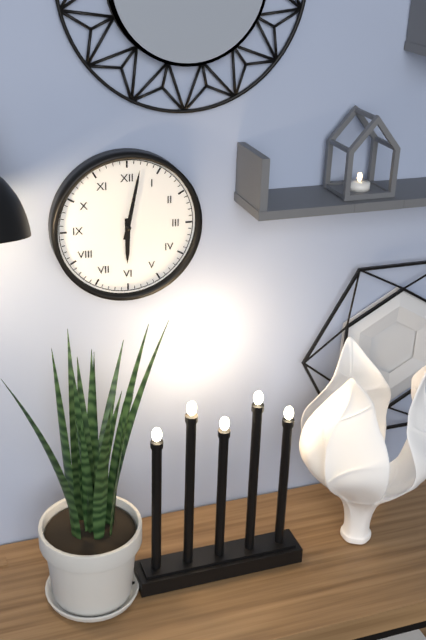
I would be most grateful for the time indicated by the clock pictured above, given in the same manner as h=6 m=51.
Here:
h=6 m=2
